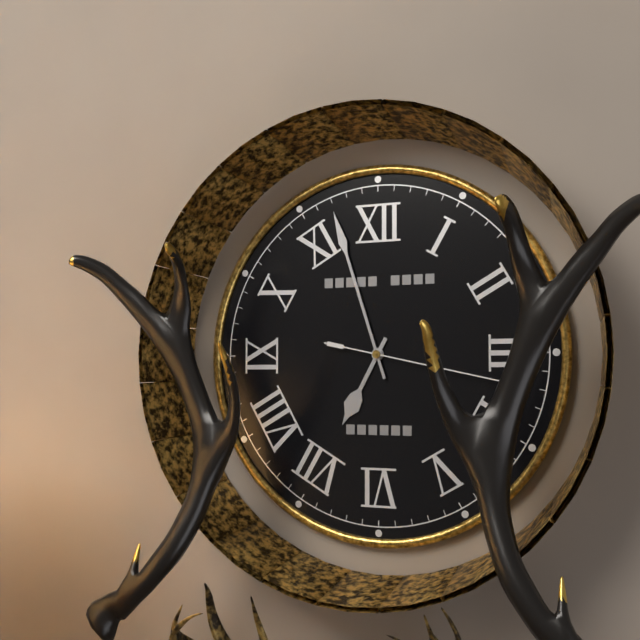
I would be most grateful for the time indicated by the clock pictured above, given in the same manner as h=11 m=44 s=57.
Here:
h=6 m=57 s=17
